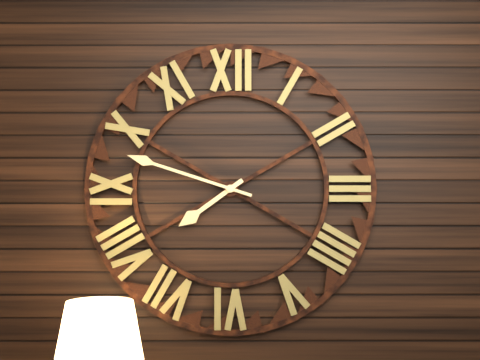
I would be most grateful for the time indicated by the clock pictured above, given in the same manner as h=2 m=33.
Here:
h=7 m=48
